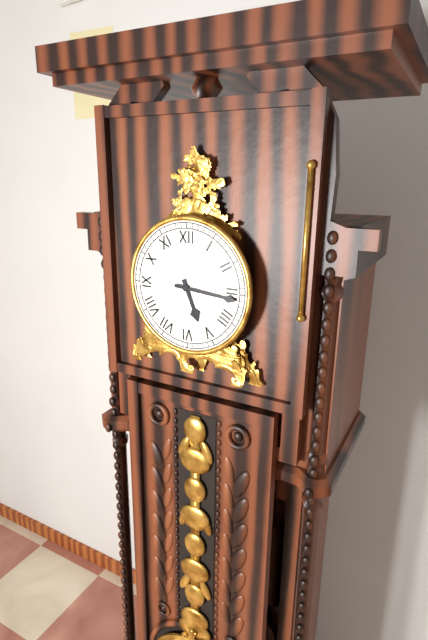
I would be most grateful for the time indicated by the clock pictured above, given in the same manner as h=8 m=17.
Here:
h=5 m=16
